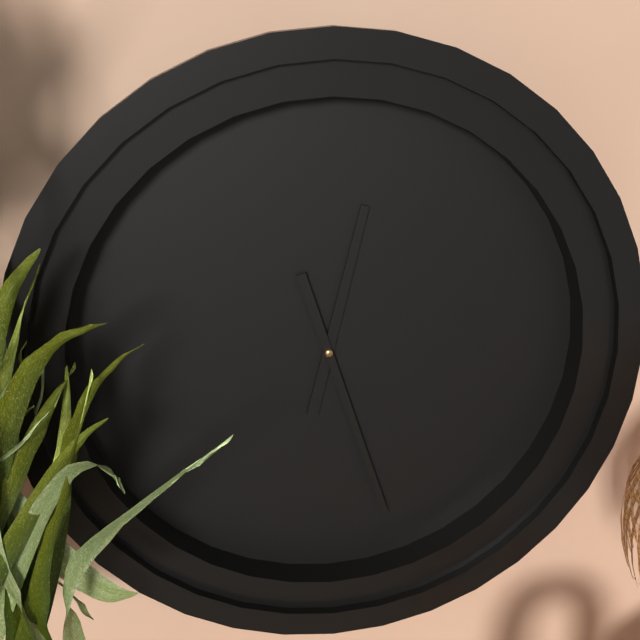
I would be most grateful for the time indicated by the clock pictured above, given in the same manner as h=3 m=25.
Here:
h=12 m=27
